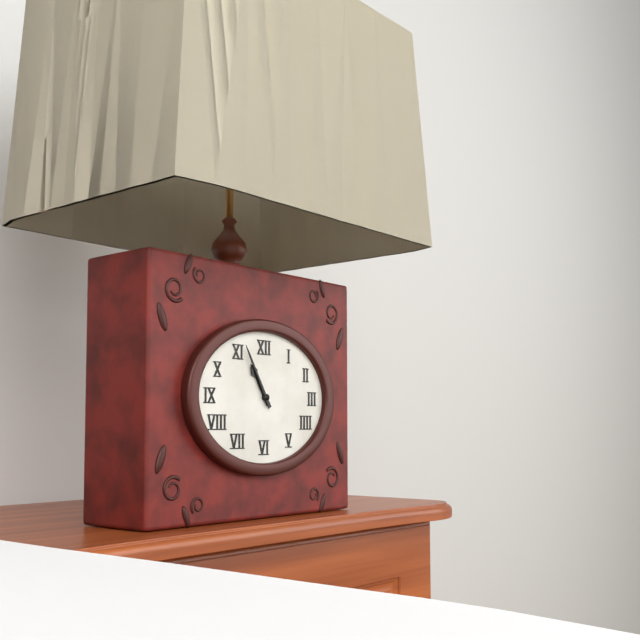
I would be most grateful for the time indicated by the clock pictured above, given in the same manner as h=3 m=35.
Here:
h=10 m=55
